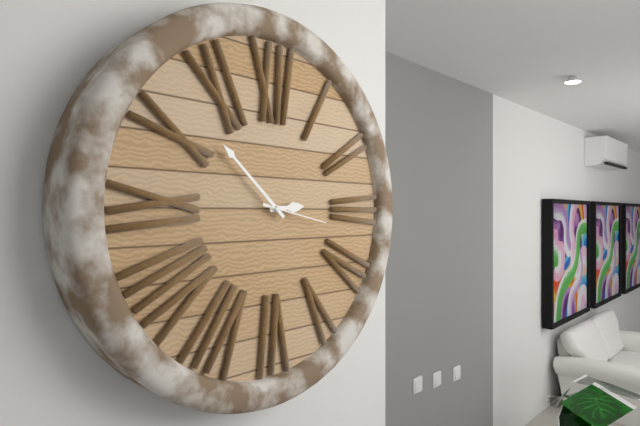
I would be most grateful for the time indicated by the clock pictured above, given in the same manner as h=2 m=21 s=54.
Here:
h=2 m=52 s=17
